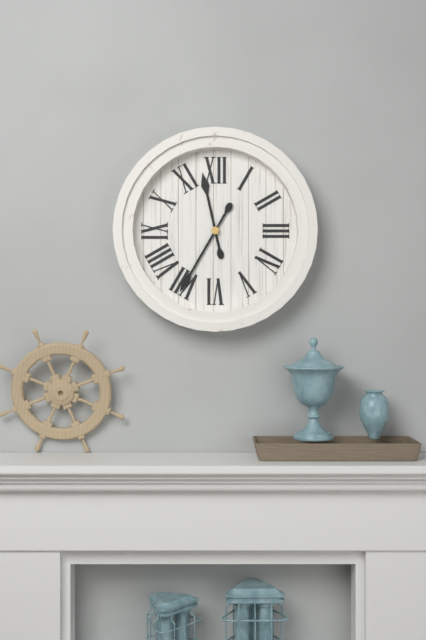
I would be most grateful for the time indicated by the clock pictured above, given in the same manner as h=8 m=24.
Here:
h=11 m=35
